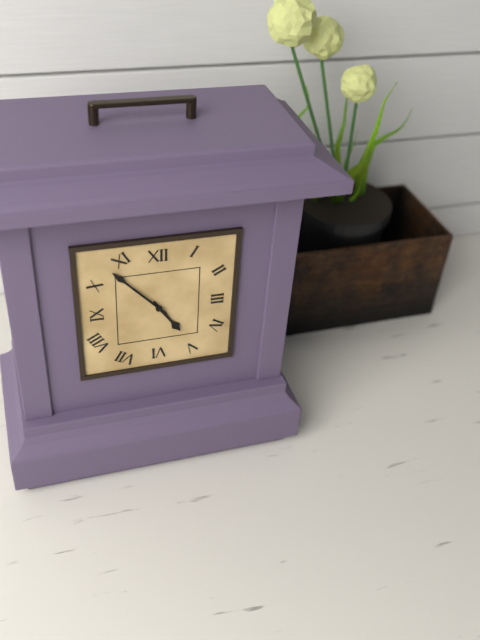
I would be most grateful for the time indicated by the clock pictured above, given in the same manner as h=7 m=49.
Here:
h=4 m=53
